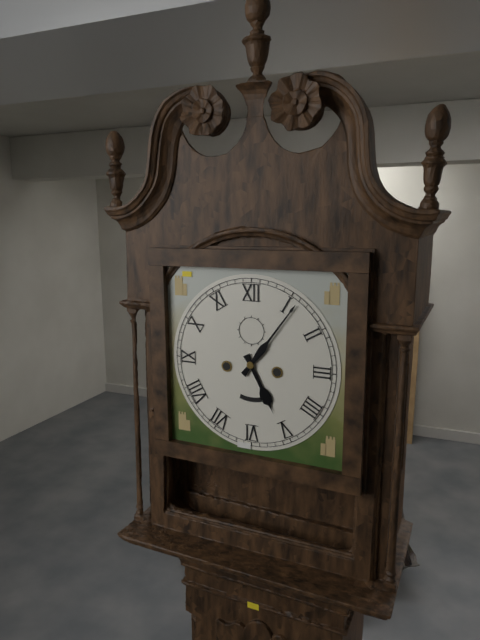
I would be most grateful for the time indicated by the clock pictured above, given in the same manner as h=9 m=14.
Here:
h=5 m=6
